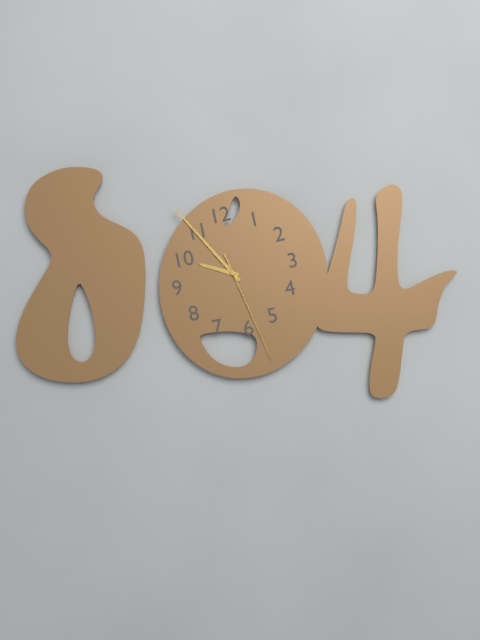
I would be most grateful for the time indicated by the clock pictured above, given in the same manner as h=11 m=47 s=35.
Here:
h=9 m=55 s=28
